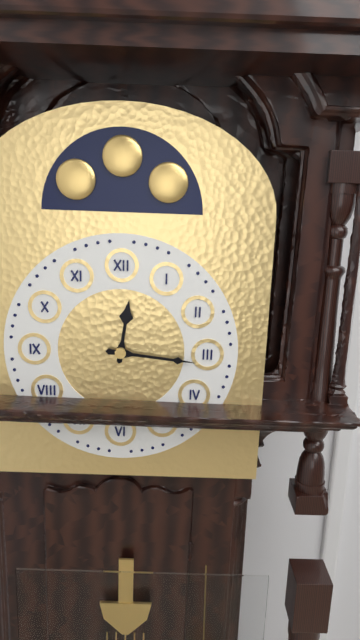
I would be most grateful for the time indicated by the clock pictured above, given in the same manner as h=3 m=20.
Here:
h=12 m=16
